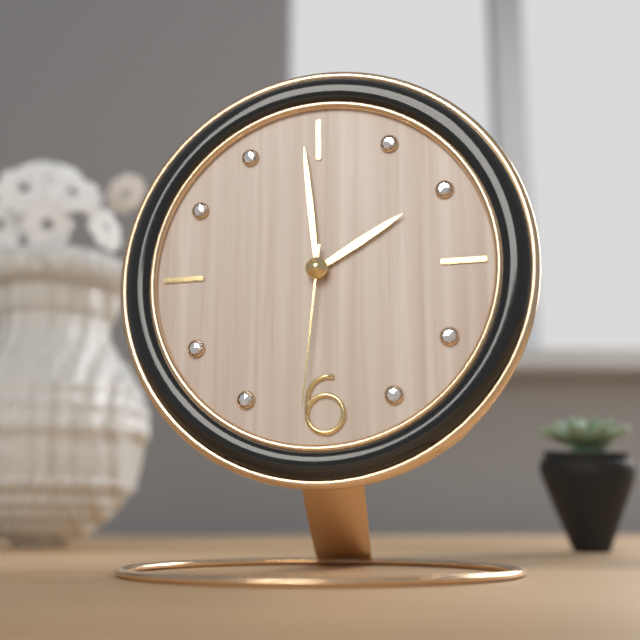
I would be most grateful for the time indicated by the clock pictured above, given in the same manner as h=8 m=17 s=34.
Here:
h=1 m=59 s=31
